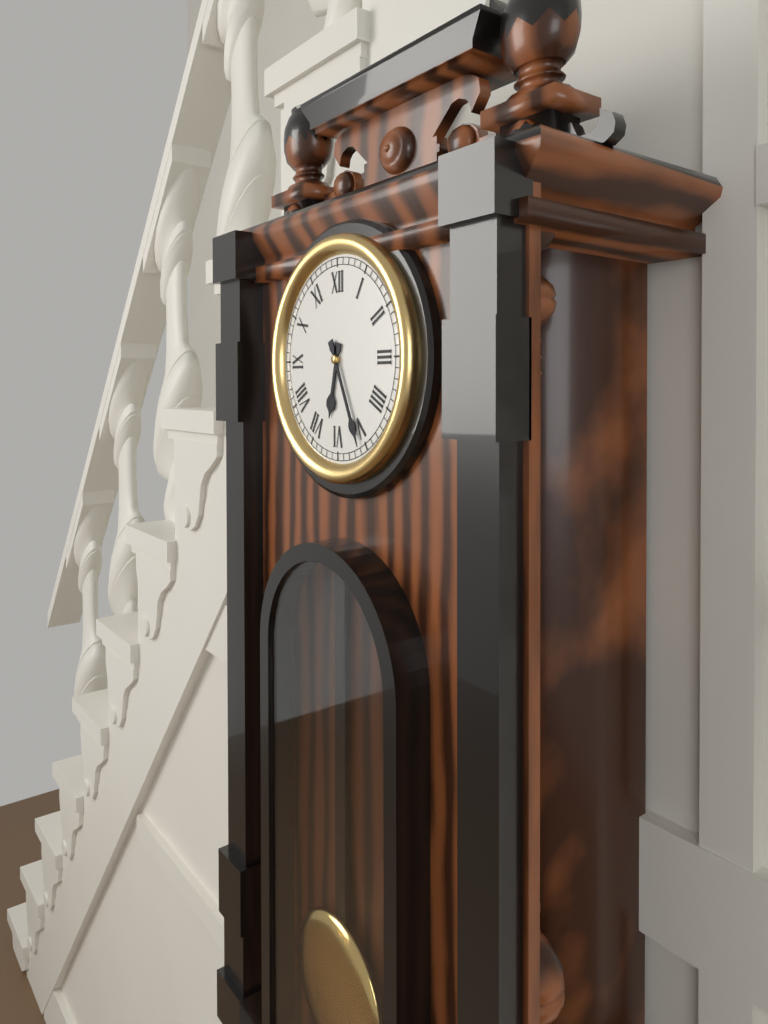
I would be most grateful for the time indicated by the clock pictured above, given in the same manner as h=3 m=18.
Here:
h=6 m=26
